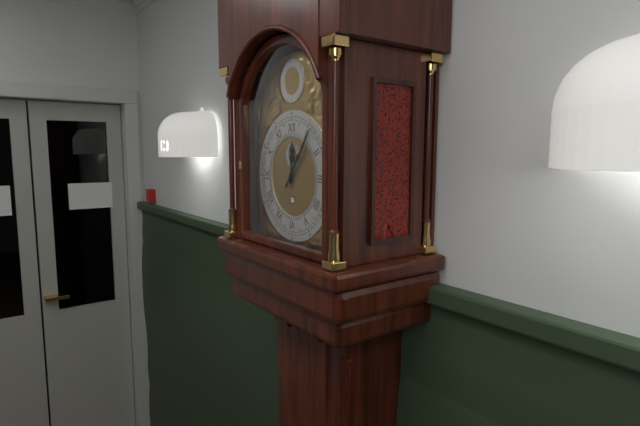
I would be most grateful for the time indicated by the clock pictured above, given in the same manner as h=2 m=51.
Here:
h=12 m=6
